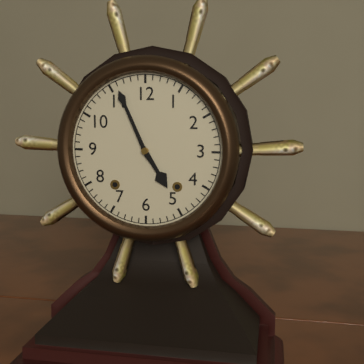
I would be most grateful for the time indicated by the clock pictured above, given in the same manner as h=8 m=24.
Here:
h=4 m=56
